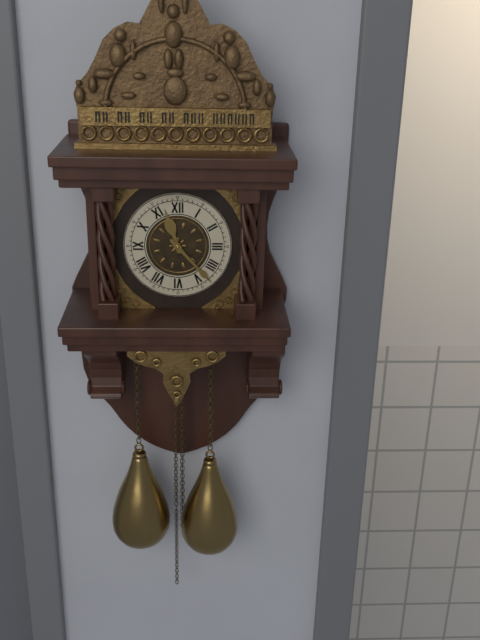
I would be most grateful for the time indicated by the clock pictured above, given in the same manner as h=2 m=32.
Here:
h=11 m=23
